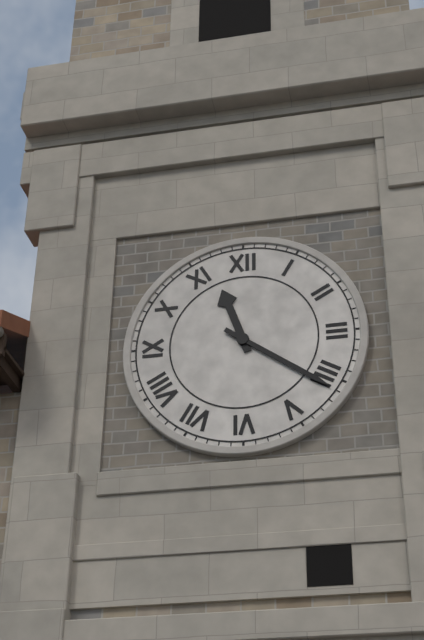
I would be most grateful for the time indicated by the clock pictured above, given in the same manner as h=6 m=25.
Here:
h=11 m=21
